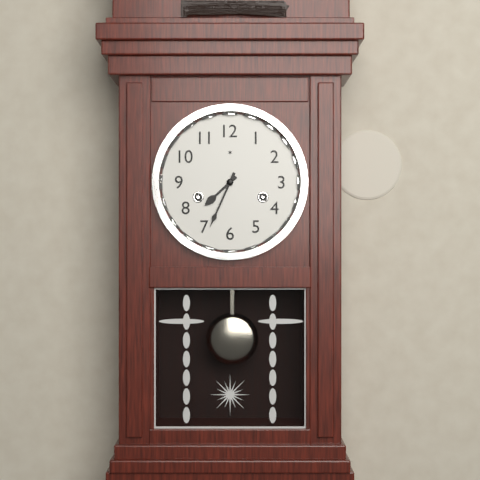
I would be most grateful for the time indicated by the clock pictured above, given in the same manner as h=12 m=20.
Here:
h=7 m=34
